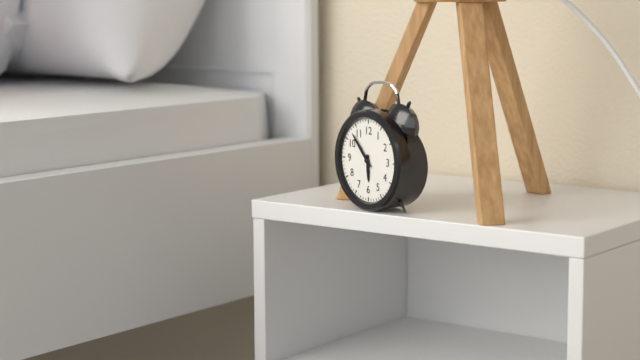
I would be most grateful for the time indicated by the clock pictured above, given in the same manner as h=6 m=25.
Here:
h=5 m=53
